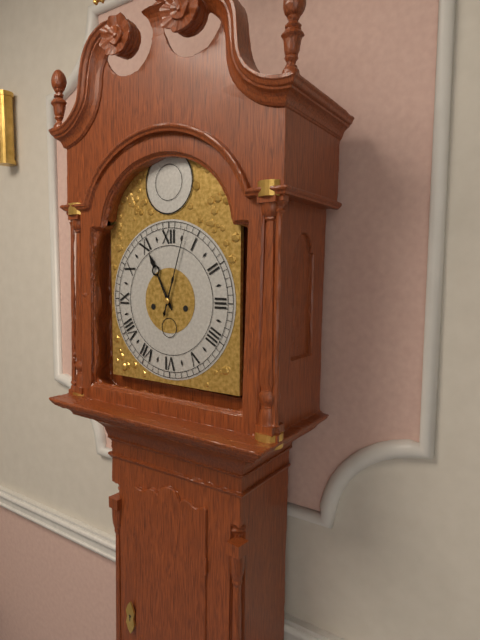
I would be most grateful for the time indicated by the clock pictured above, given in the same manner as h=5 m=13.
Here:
h=11 m=3
